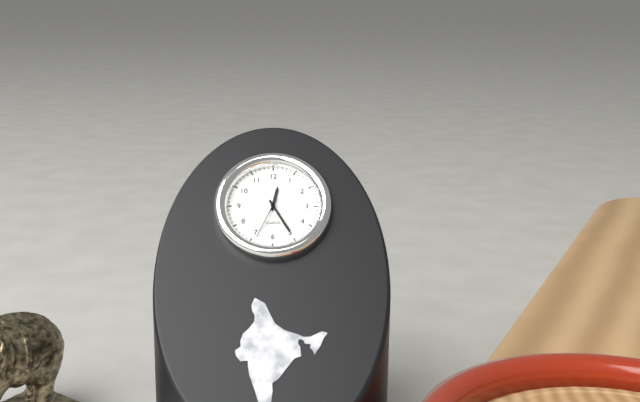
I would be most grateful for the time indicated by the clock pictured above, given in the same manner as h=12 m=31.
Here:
h=12 m=25
